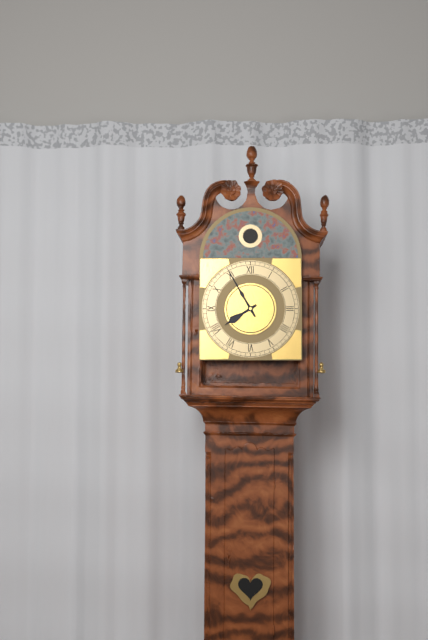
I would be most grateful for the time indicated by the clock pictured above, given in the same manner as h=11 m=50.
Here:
h=7 m=55
